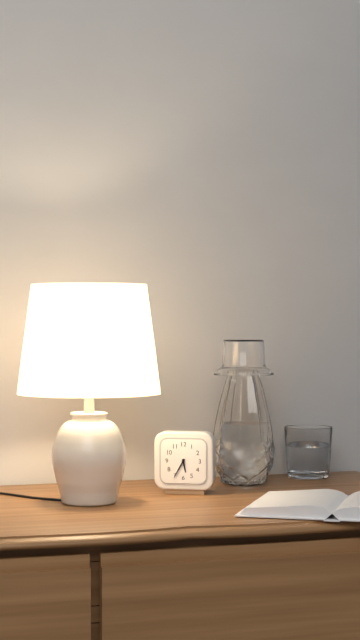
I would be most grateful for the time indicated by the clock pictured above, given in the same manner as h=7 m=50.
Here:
h=5 m=35
